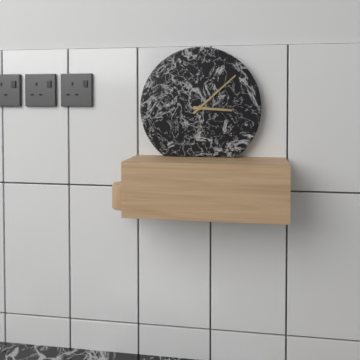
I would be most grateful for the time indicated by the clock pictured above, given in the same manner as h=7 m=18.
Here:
h=3 m=8
